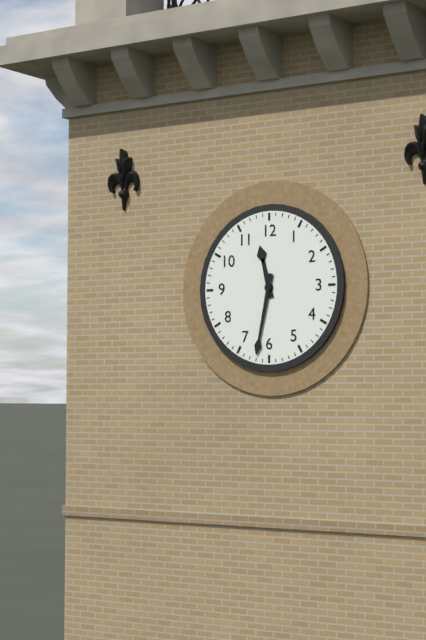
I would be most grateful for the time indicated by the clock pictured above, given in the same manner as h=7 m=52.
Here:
h=11 m=32
